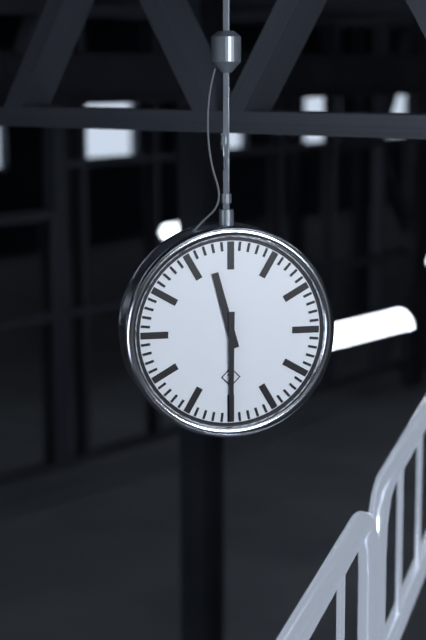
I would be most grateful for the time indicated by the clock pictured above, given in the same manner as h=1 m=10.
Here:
h=11 m=30
